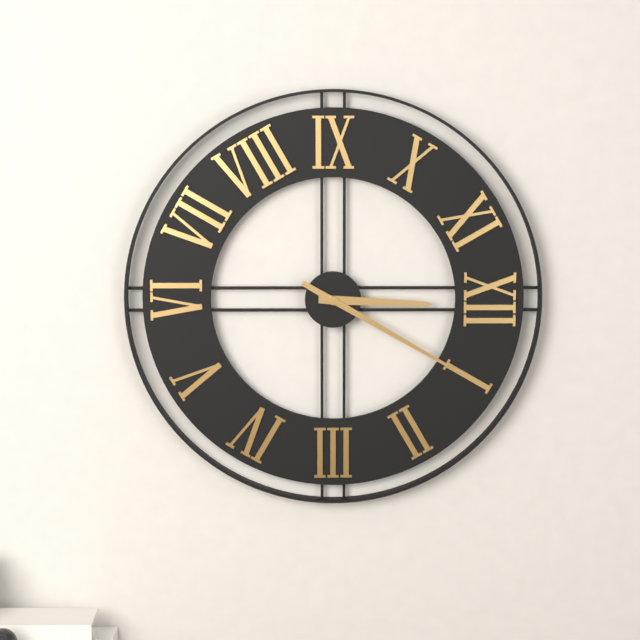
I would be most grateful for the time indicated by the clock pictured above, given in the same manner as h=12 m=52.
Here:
h=12 m=5
